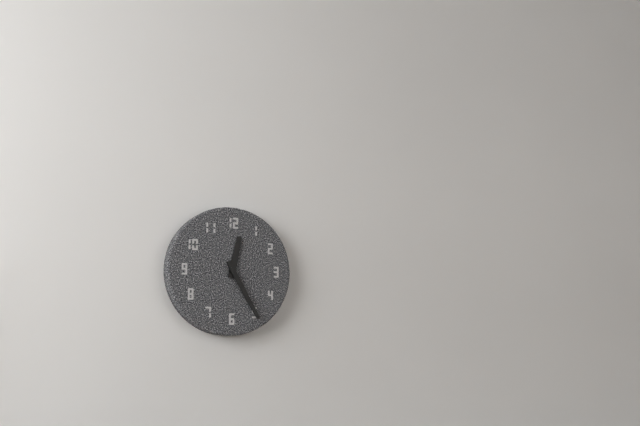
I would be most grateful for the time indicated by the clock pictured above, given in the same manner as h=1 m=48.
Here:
h=12 m=25
